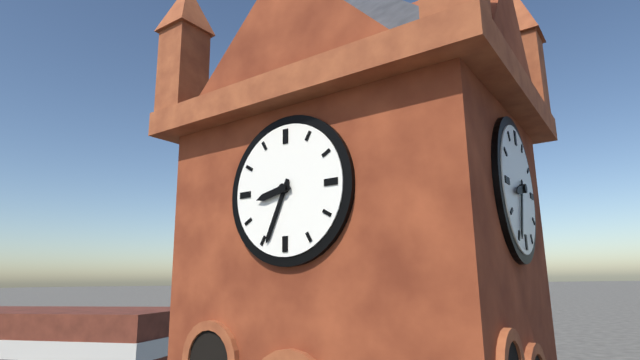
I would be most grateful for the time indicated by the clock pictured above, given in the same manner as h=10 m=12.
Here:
h=8 m=34
